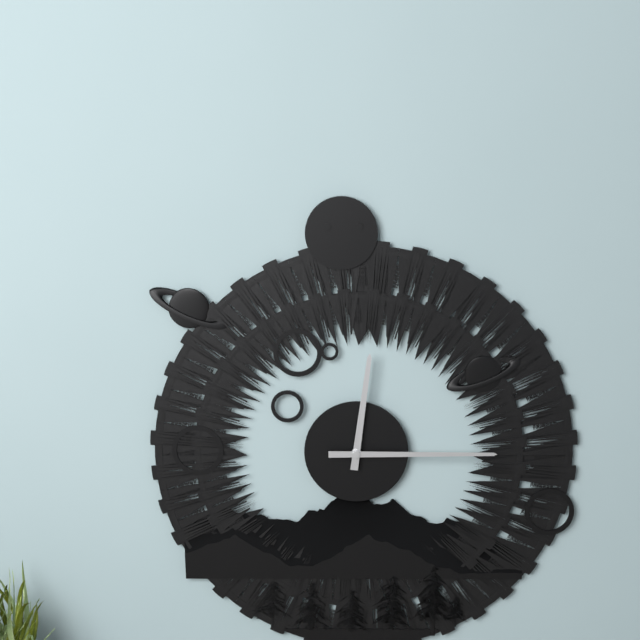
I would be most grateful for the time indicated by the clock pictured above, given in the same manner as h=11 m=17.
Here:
h=12 m=15
